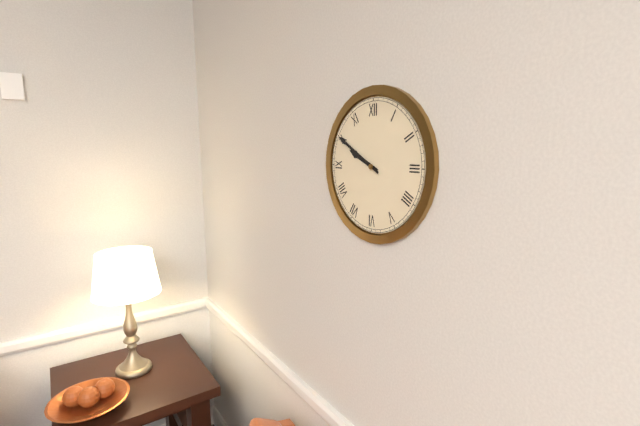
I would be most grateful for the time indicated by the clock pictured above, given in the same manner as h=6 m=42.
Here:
h=9 m=50
